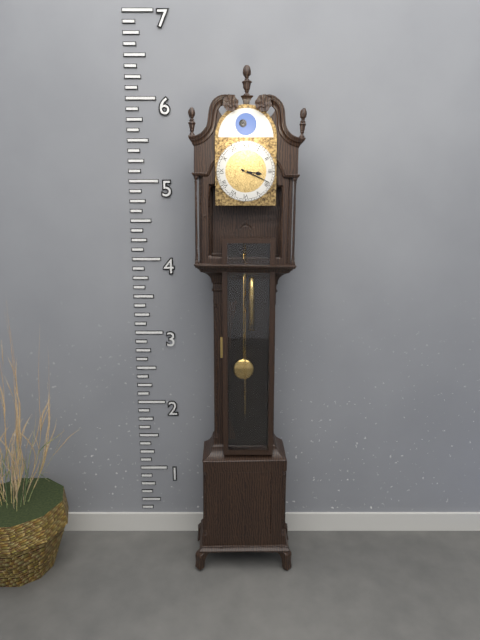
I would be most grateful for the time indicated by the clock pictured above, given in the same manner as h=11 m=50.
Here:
h=3 m=19
